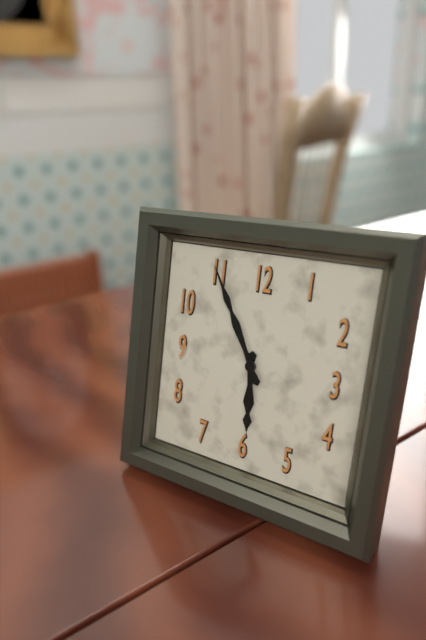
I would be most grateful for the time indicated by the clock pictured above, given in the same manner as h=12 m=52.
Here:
h=5 m=55
